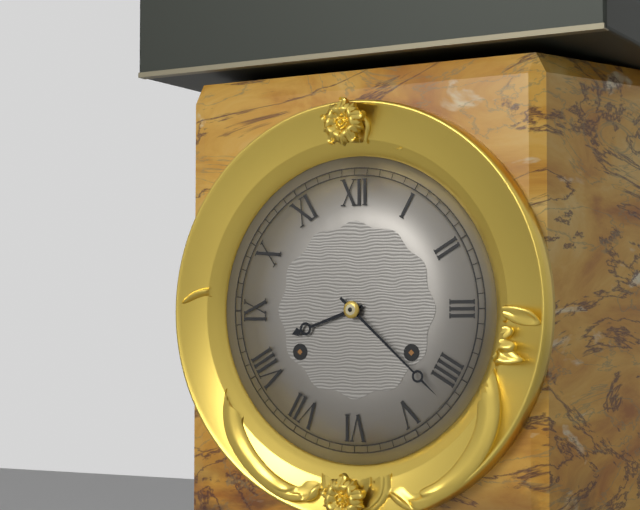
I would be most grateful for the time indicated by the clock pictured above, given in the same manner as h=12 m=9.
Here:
h=8 m=22
